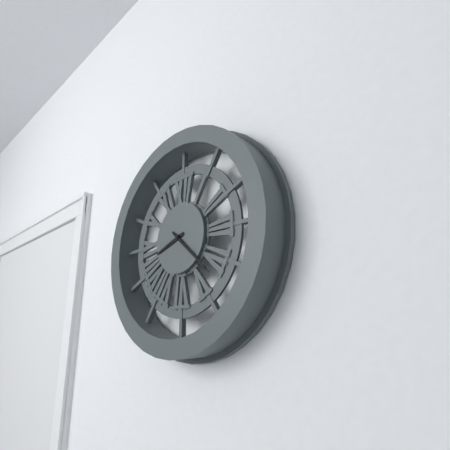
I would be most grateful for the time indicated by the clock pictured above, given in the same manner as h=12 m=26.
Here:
h=8 m=22
